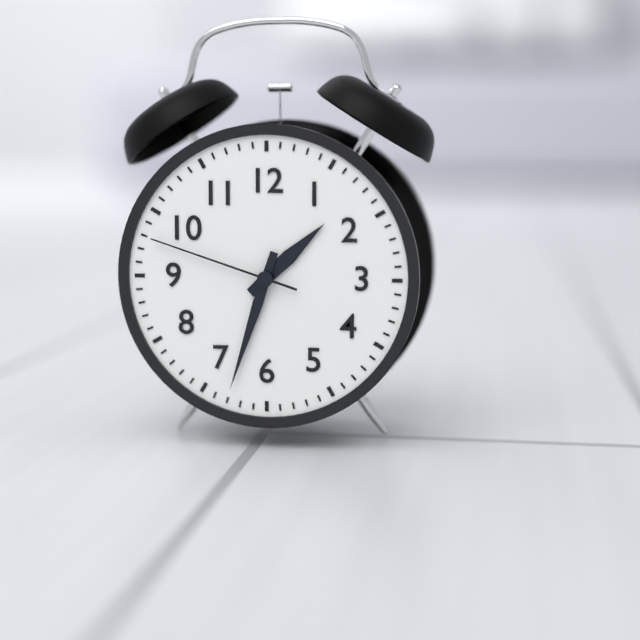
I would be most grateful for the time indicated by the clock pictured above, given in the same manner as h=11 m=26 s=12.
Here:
h=1 m=33 s=48
